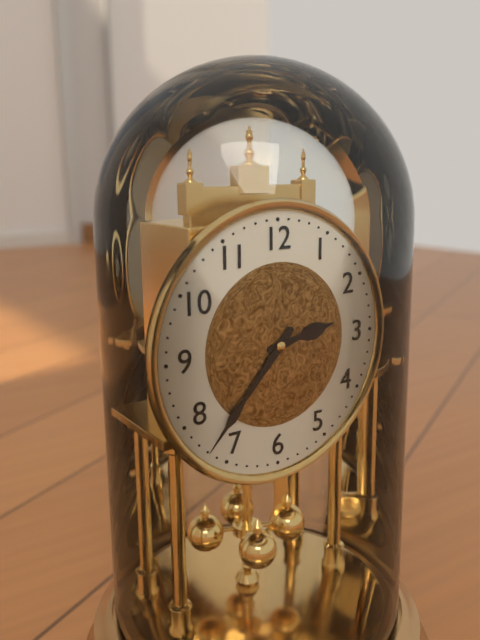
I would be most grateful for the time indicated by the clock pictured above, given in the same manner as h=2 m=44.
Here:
h=2 m=37
